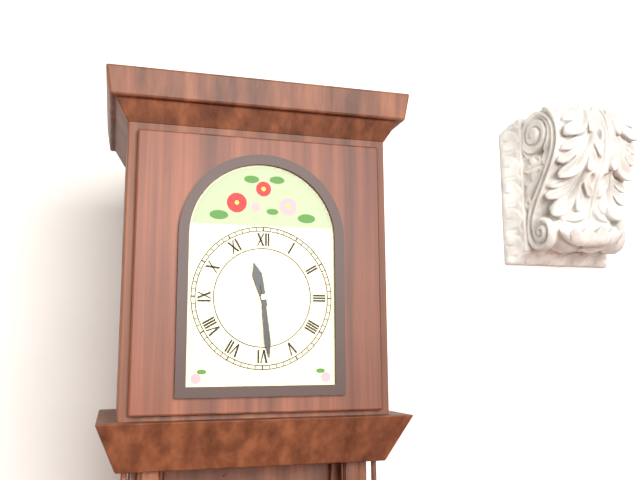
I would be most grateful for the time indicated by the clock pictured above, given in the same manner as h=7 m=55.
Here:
h=11 m=29
